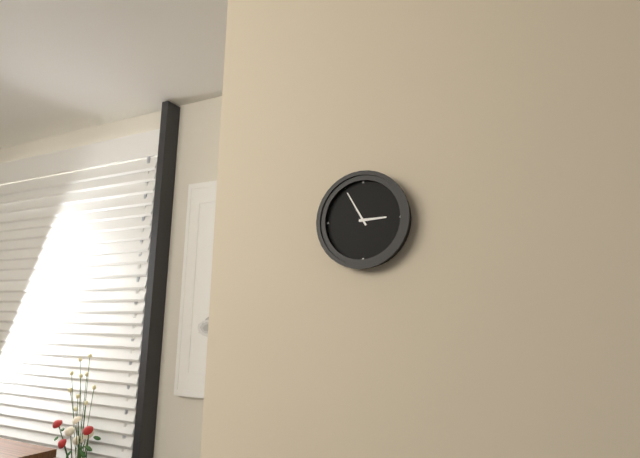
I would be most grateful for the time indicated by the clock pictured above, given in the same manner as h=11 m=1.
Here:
h=2 m=55
